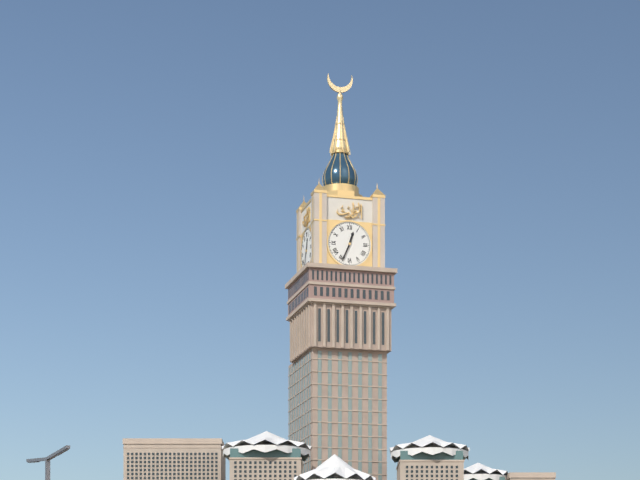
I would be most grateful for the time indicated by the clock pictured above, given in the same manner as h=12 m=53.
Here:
h=12 m=34
